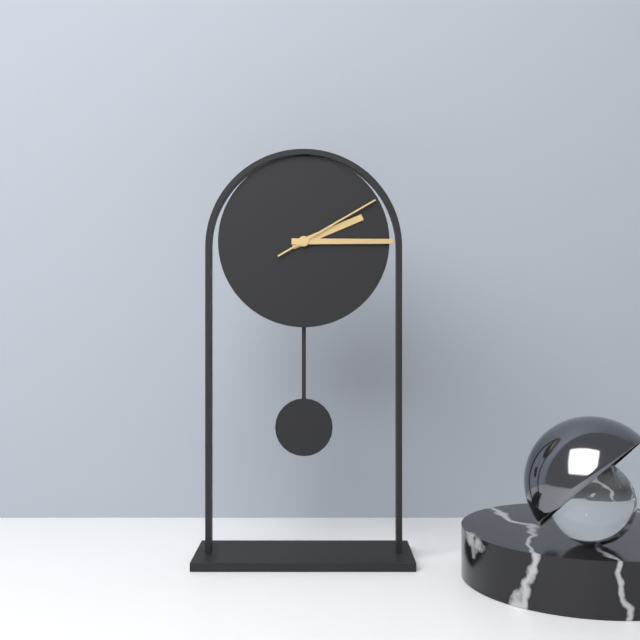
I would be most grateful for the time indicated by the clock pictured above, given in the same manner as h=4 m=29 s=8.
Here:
h=2 m=15 s=10
